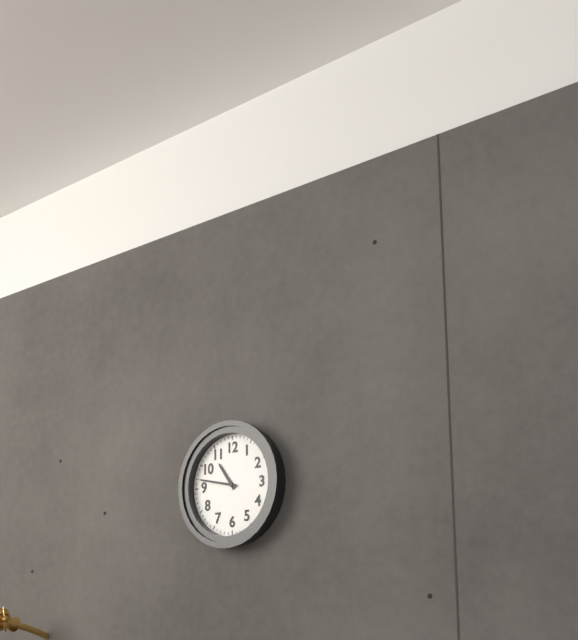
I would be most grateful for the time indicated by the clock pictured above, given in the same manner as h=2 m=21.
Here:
h=10 m=47
